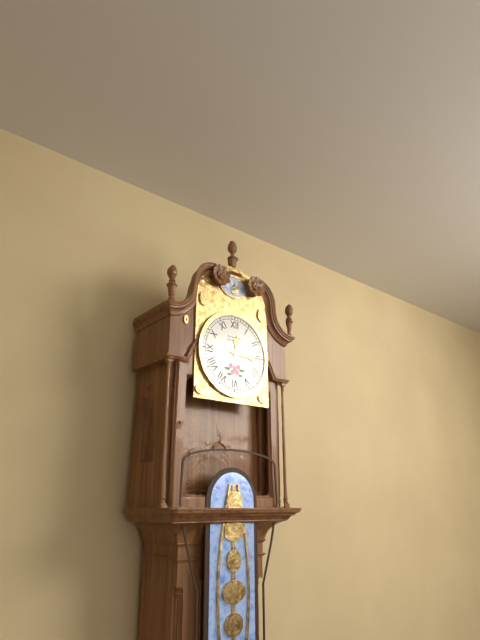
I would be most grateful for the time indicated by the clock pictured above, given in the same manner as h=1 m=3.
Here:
h=12 m=16
